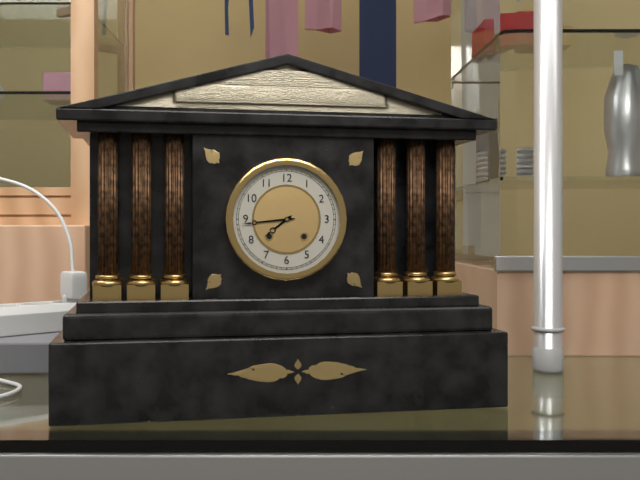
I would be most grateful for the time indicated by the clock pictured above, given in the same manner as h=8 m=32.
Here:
h=7 m=44
